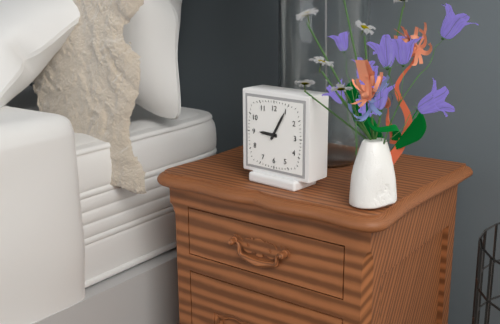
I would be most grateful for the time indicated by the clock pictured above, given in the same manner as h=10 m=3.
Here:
h=9 m=5
